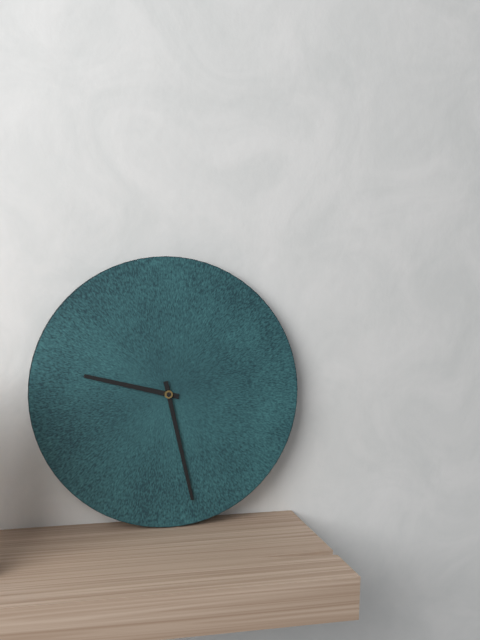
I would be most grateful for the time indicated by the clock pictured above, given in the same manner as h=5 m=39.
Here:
h=9 m=28
